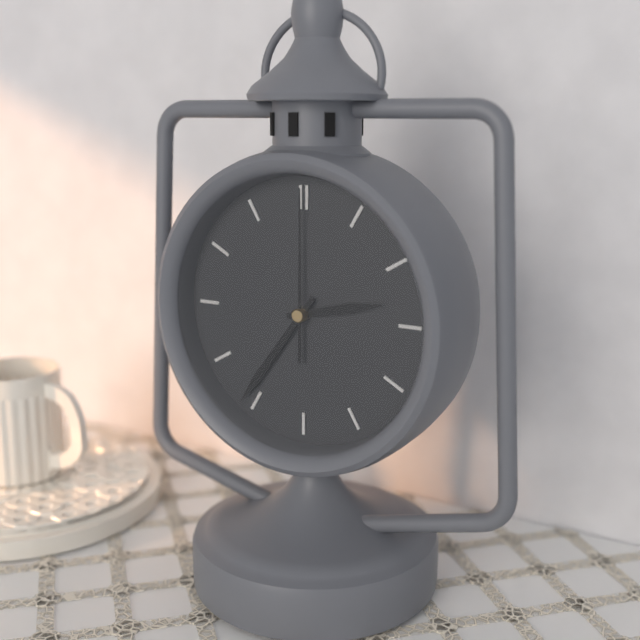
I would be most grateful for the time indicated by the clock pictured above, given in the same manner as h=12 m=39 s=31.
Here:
h=2 m=36 s=0
